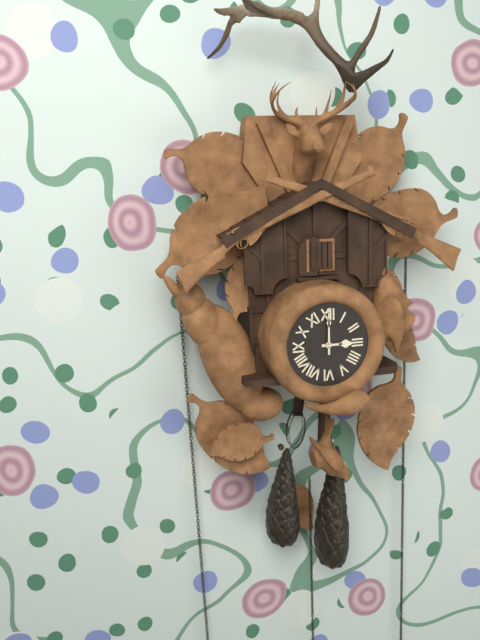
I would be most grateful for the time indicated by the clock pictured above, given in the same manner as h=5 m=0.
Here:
h=3 m=0
